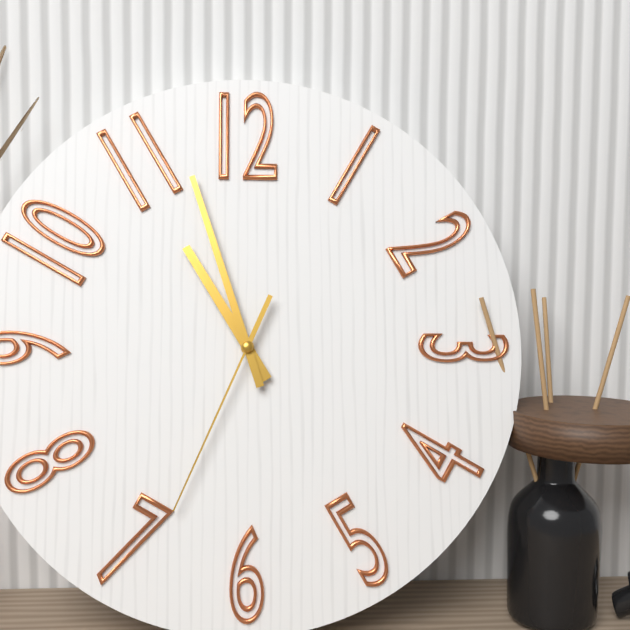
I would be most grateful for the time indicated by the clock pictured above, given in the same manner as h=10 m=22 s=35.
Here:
h=10 m=57 s=34
